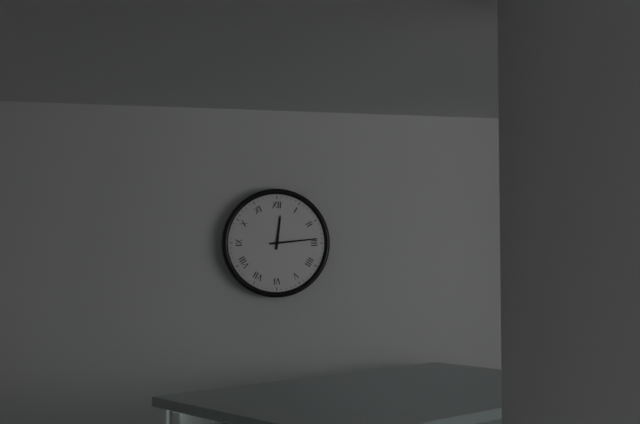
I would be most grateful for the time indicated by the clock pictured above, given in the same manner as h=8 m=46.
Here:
h=12 m=14
